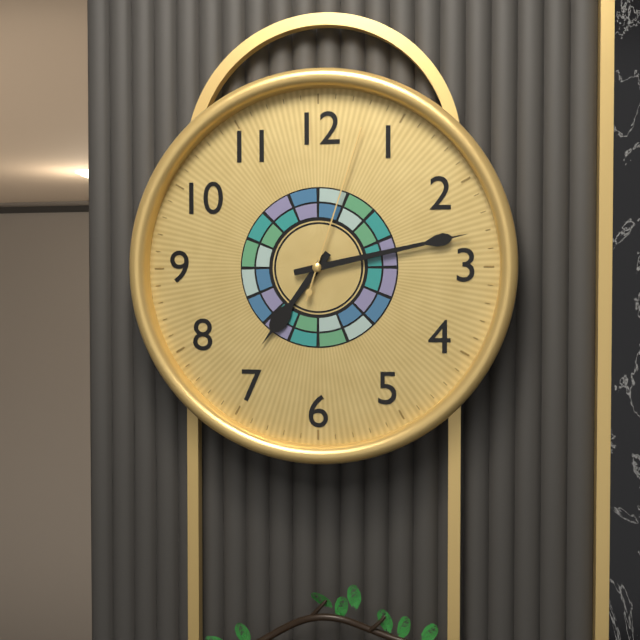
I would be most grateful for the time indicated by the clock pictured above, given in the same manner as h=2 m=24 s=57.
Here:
h=7 m=13 s=3
